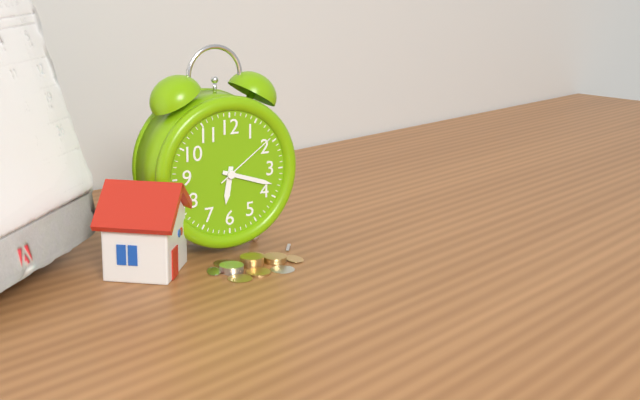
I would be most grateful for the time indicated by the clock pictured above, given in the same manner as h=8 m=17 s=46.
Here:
h=6 m=18 s=9
